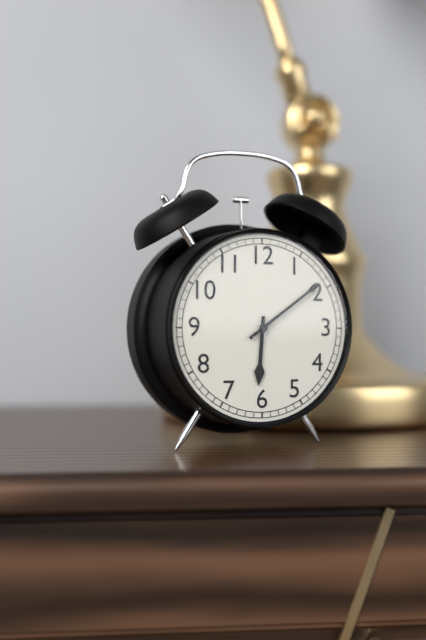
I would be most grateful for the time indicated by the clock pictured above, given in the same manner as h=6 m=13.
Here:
h=6 m=9
